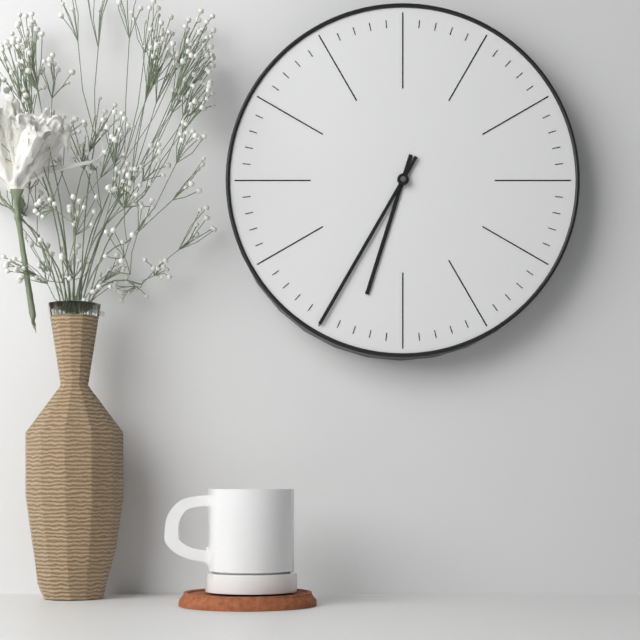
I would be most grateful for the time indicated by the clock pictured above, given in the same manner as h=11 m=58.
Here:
h=6 m=35
